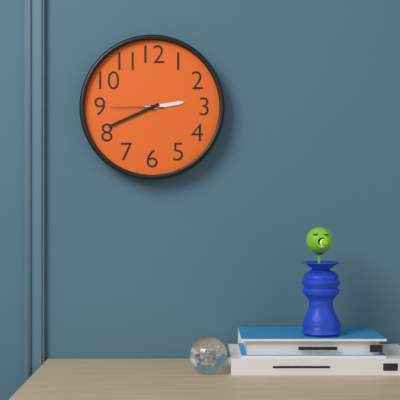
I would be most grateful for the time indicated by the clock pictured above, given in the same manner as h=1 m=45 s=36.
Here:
h=2 m=41 s=45
